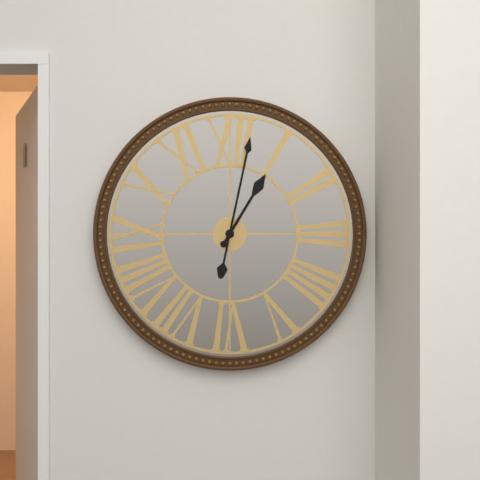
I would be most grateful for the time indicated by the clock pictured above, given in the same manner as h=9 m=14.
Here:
h=1 m=2
